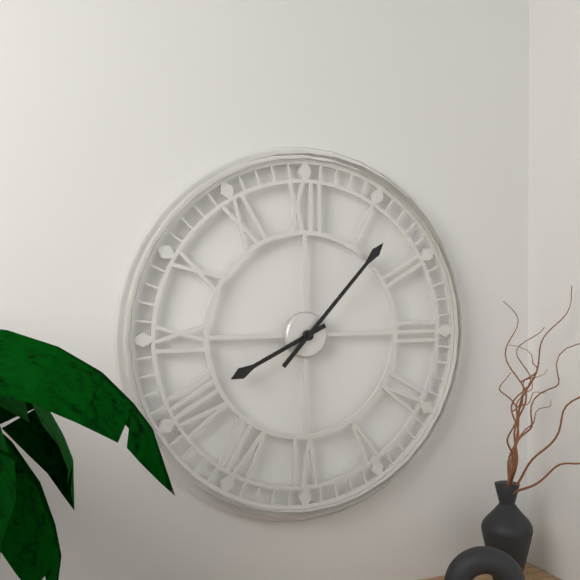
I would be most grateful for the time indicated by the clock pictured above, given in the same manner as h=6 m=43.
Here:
h=8 m=7
